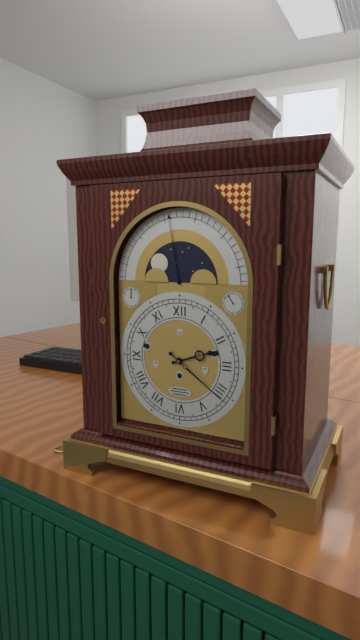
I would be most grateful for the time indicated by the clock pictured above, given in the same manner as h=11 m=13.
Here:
h=2 m=21
